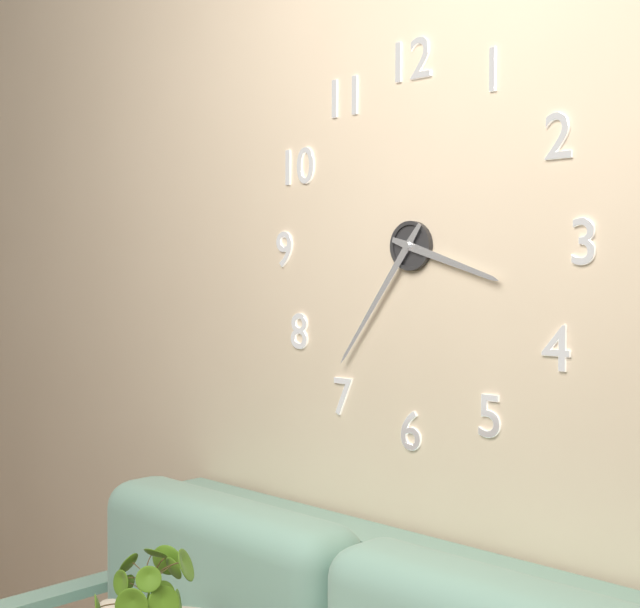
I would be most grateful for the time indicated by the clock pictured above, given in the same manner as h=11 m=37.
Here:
h=3 m=36
